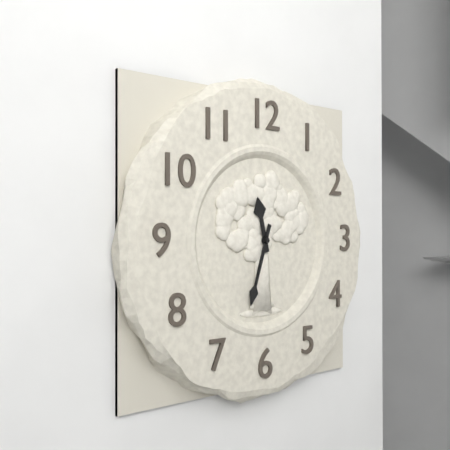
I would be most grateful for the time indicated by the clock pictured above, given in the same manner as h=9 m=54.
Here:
h=11 m=33
